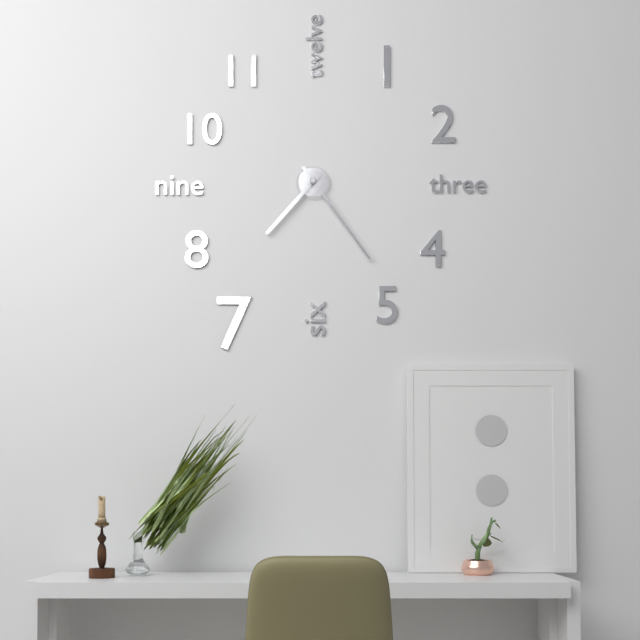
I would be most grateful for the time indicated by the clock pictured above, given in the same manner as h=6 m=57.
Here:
h=7 m=24
